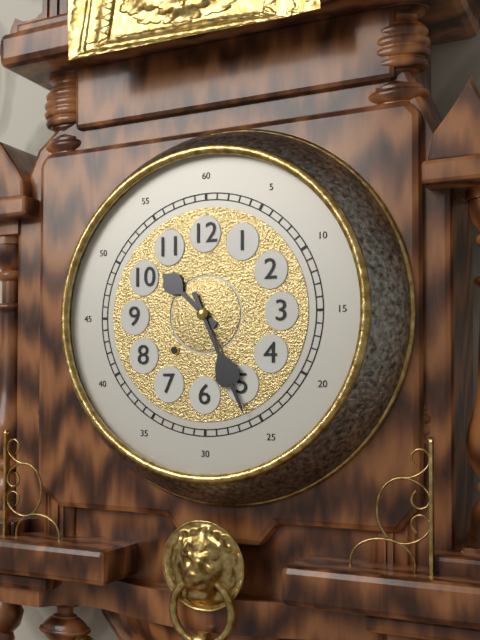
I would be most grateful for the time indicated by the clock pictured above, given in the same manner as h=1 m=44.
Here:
h=10 m=26
